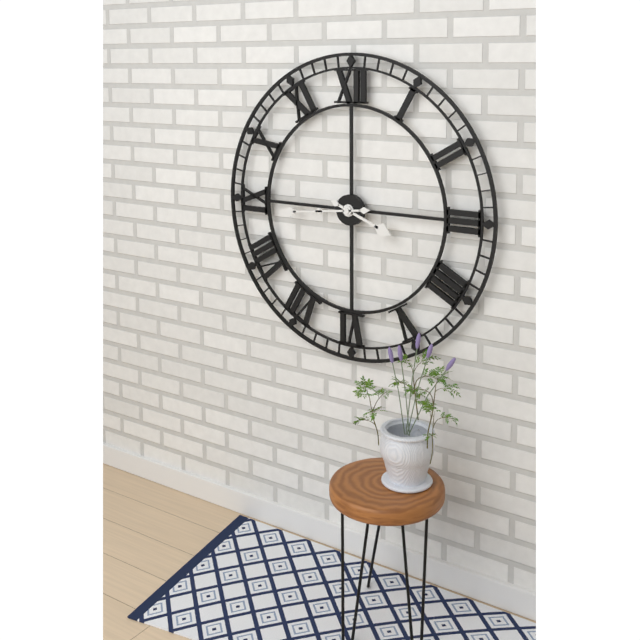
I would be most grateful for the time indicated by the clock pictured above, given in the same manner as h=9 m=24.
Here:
h=3 m=44
